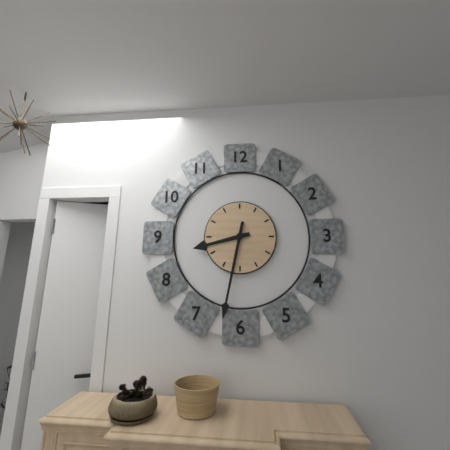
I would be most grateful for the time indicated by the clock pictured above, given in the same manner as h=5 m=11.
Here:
h=8 m=32
